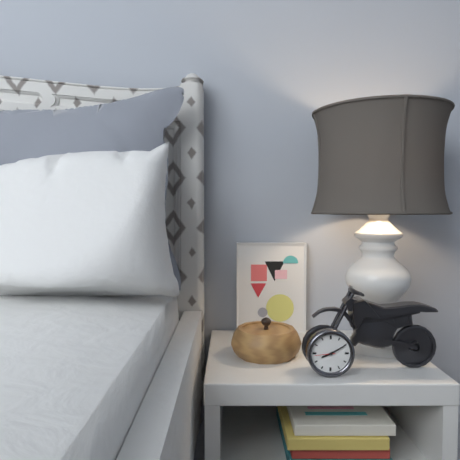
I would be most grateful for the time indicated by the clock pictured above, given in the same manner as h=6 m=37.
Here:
h=8 m=10
